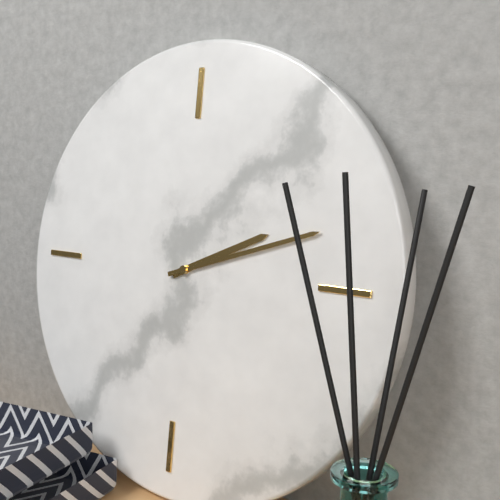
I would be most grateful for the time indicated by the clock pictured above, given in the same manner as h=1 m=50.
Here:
h=2 m=12
